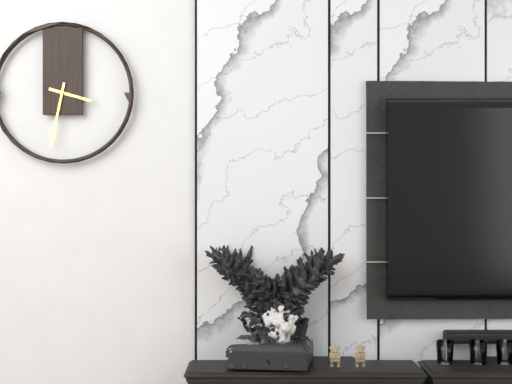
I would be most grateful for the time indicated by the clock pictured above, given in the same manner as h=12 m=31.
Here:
h=3 m=32
